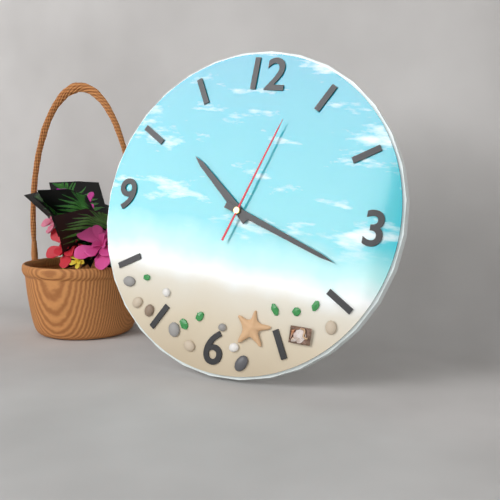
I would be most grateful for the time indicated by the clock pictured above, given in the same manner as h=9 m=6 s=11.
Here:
h=10 m=18 s=3
